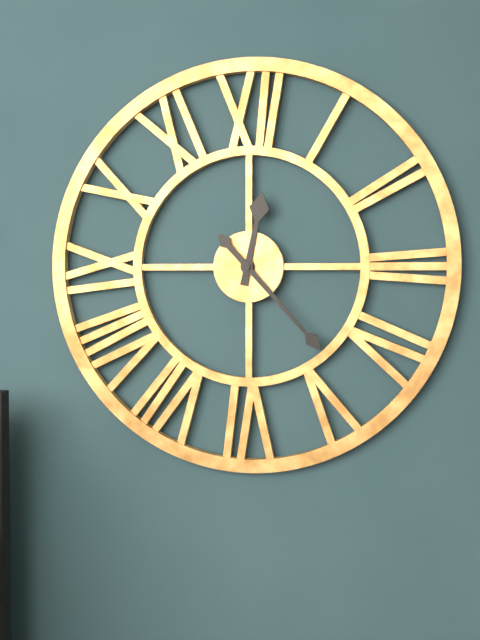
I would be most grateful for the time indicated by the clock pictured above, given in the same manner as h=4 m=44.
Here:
h=12 m=23
